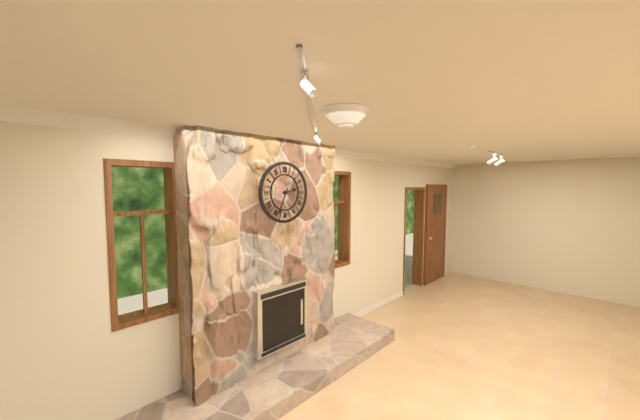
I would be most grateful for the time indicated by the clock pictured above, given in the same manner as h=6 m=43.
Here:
h=2 m=34
